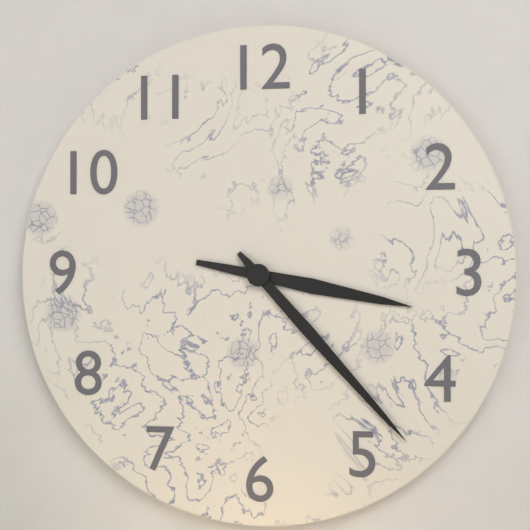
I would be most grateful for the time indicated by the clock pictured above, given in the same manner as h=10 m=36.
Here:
h=3 m=23
